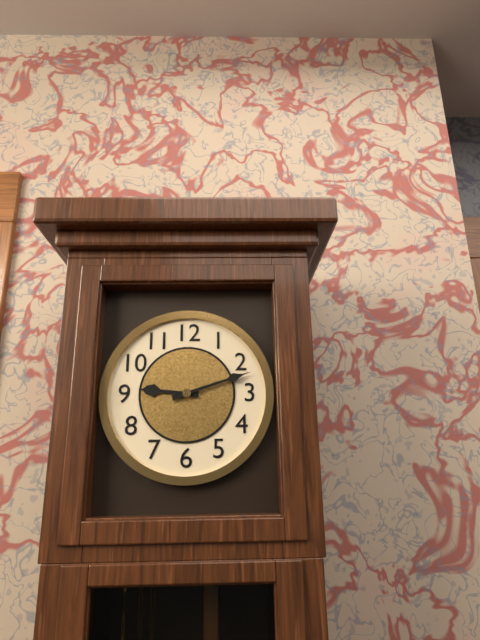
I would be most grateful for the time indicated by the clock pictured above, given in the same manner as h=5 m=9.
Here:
h=9 m=12
